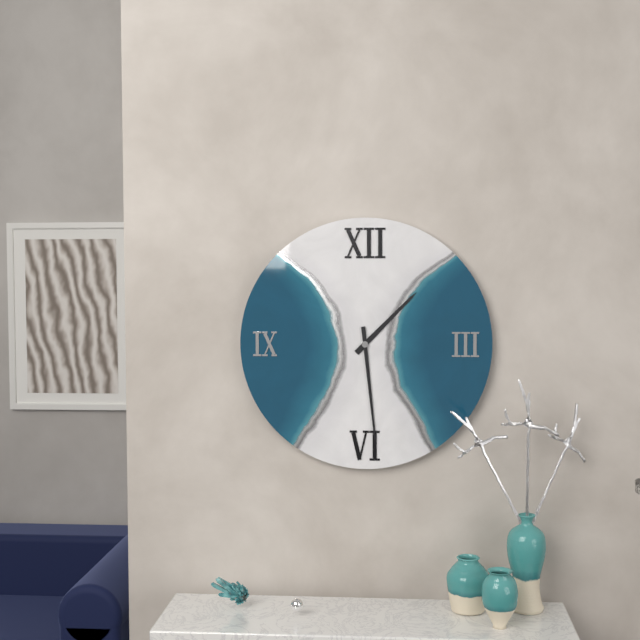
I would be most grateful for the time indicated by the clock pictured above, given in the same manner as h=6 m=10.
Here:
h=1 m=29
